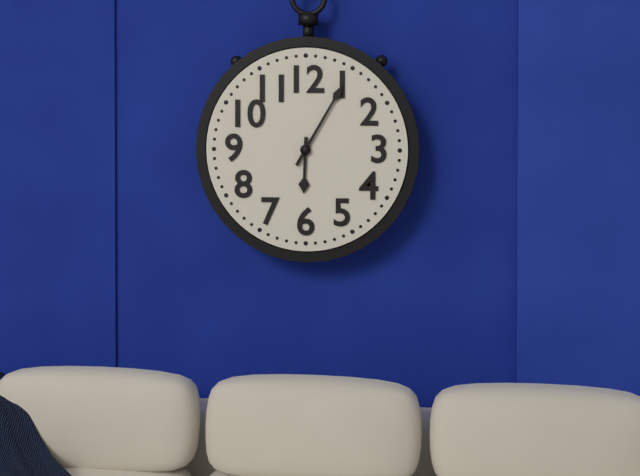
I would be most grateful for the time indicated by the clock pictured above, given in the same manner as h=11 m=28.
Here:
h=6 m=5
